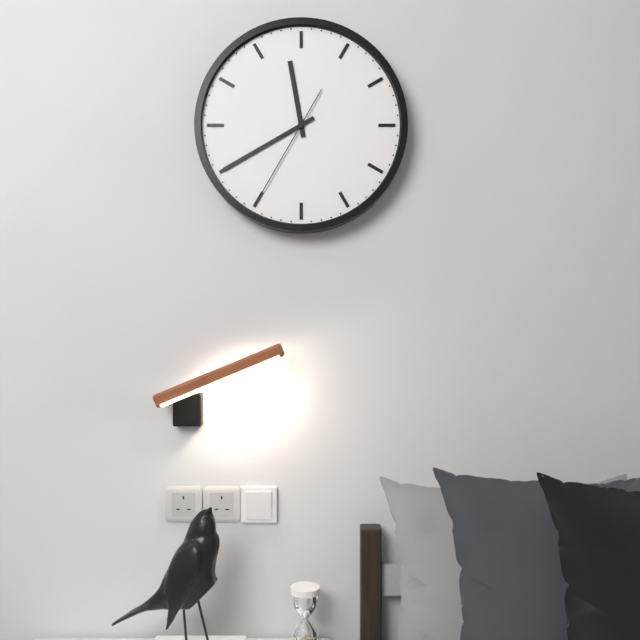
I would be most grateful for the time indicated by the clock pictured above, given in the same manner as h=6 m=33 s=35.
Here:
h=11 m=40 s=35
